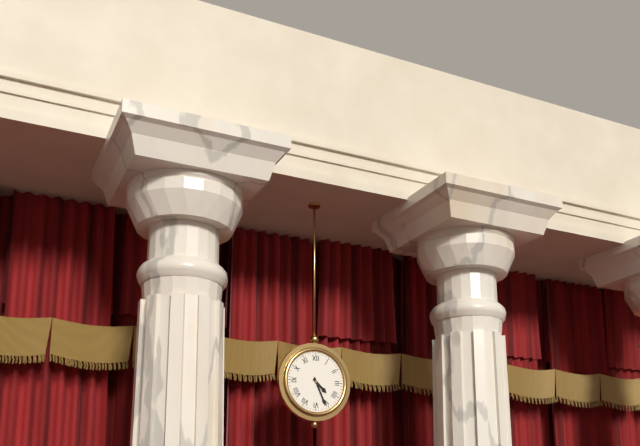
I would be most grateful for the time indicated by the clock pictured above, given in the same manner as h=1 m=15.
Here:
h=4 m=26
